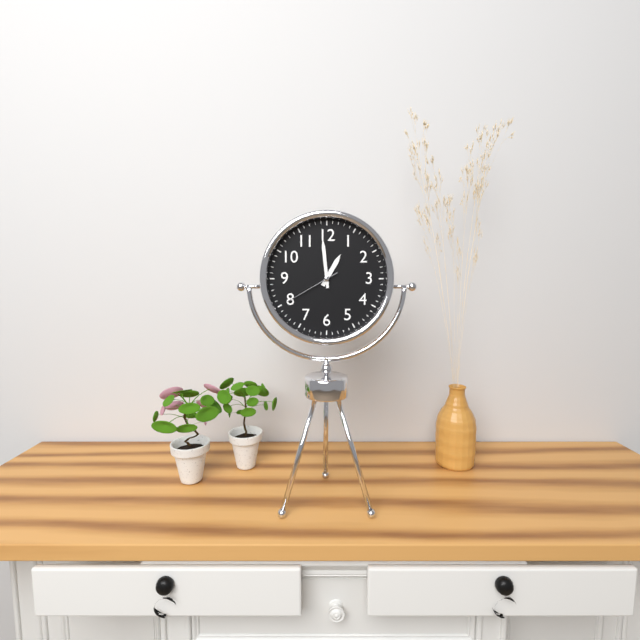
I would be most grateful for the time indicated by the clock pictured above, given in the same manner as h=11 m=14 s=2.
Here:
h=12 m=59 s=40
